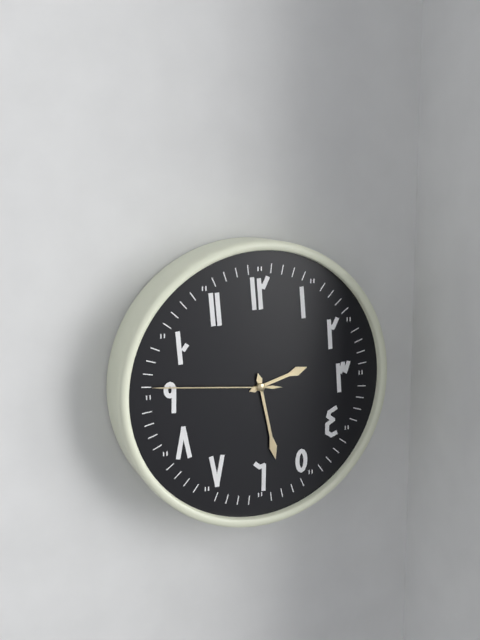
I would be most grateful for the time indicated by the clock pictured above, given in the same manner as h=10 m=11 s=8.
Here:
h=2 m=28 s=46
